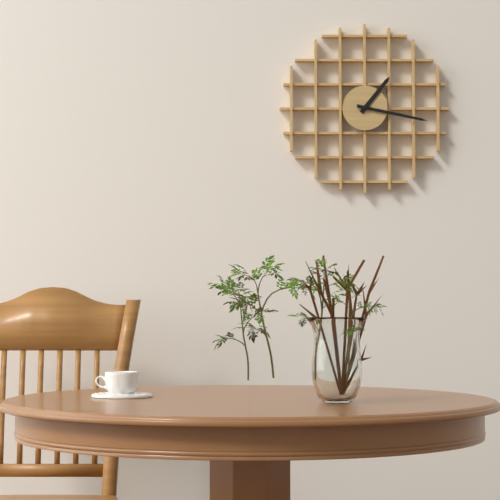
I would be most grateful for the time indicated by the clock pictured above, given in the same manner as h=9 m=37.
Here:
h=1 m=17
